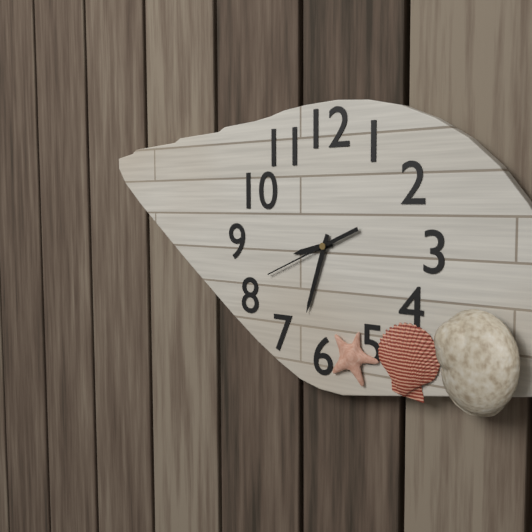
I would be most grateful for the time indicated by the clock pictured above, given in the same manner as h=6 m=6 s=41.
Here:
h=8 m=33 s=41
